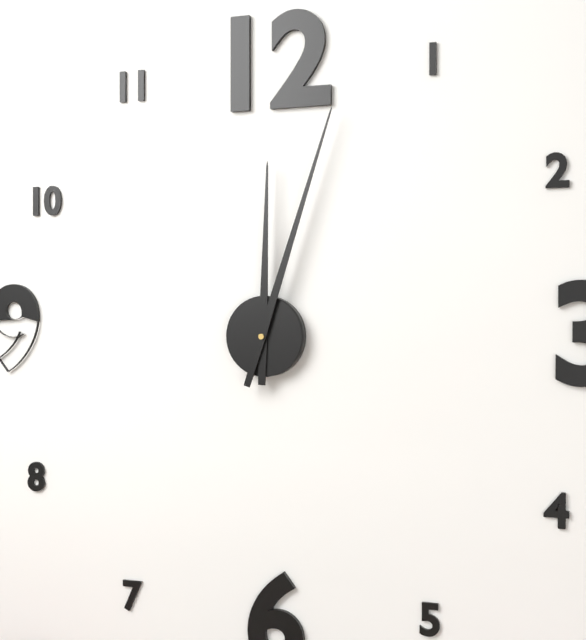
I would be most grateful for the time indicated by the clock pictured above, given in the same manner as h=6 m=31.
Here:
h=12 m=3
